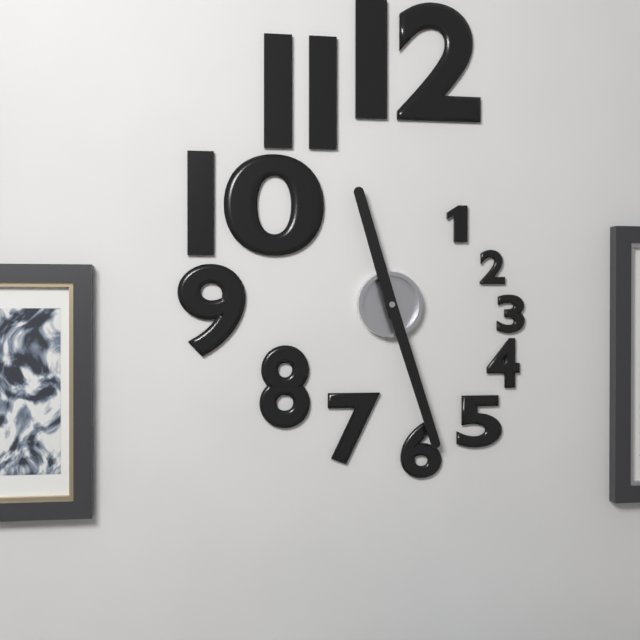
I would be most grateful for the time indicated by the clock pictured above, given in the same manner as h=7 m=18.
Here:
h=11 m=27
